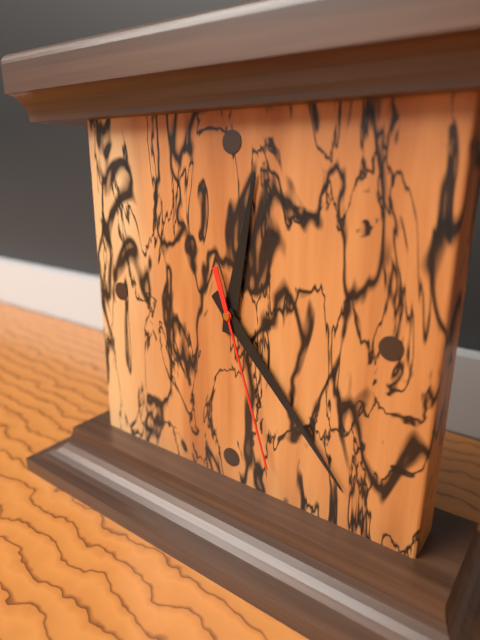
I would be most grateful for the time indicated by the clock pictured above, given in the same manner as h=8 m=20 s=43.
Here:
h=12 m=23 s=27
